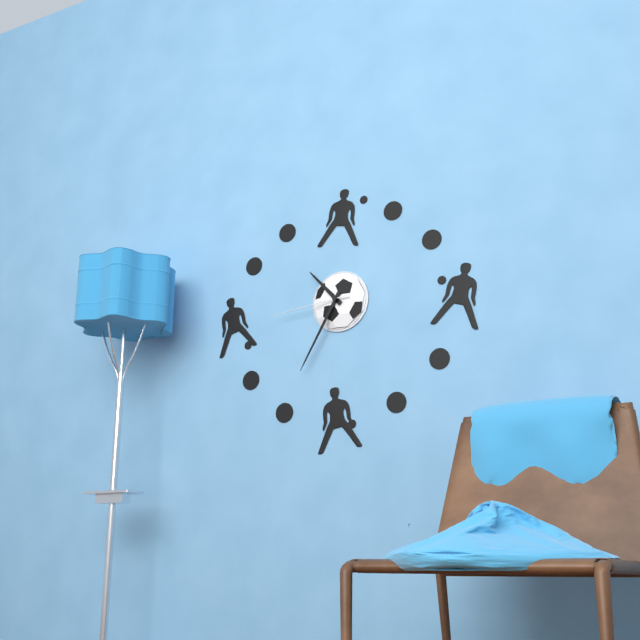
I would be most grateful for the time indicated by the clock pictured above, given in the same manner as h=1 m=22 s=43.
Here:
h=10 m=35 s=44
